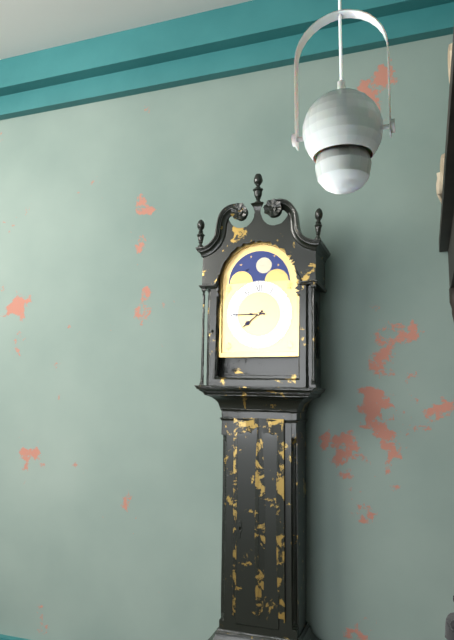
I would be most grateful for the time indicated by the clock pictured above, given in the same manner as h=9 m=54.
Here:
h=7 m=45
